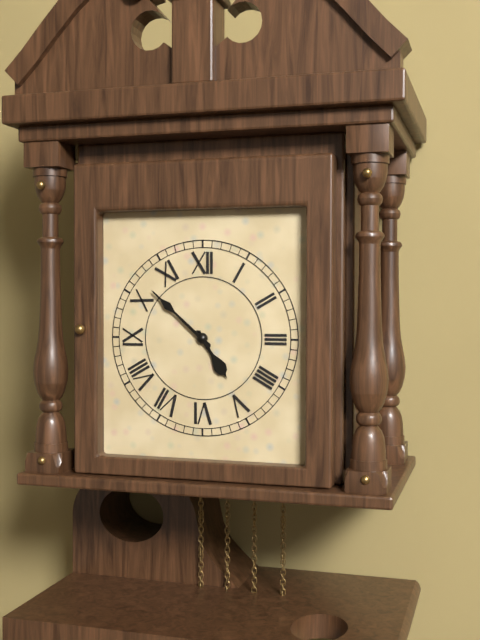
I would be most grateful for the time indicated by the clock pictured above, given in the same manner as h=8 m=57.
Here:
h=4 m=52
